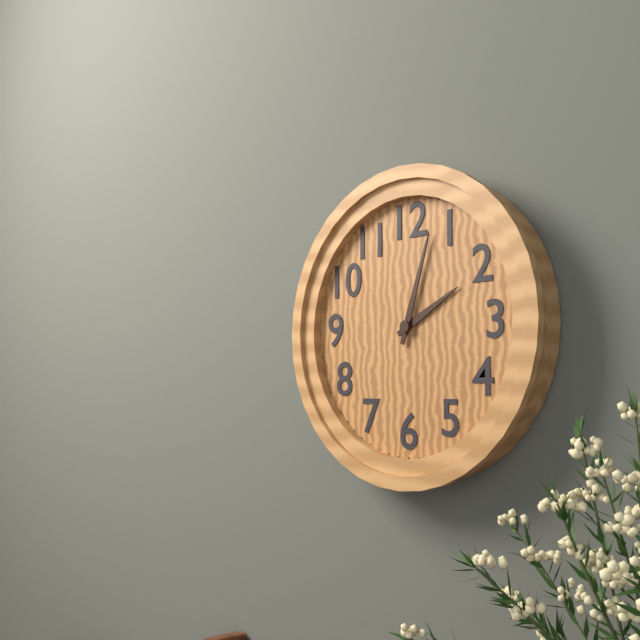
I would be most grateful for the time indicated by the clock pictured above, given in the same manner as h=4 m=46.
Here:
h=2 m=3
